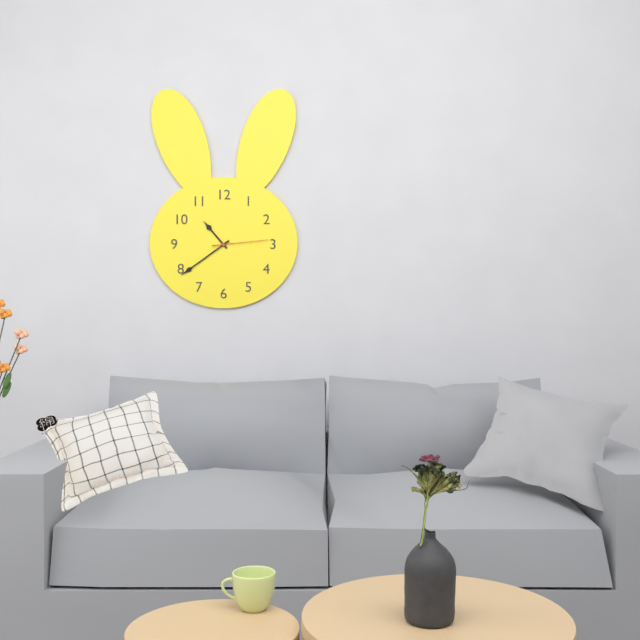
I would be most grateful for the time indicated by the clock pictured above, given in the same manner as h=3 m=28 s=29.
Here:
h=10 m=39 s=14
